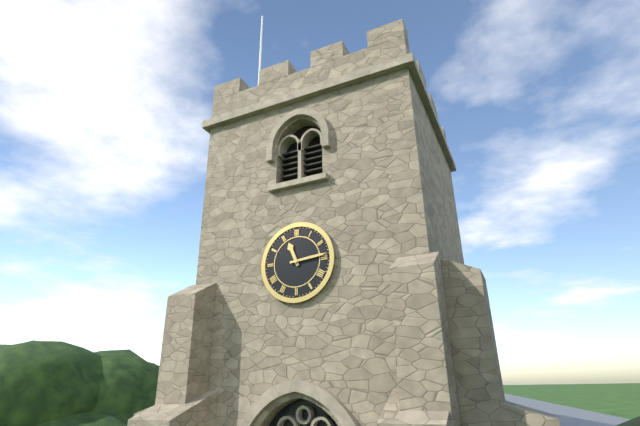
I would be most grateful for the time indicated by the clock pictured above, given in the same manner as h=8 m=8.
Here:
h=11 m=14
